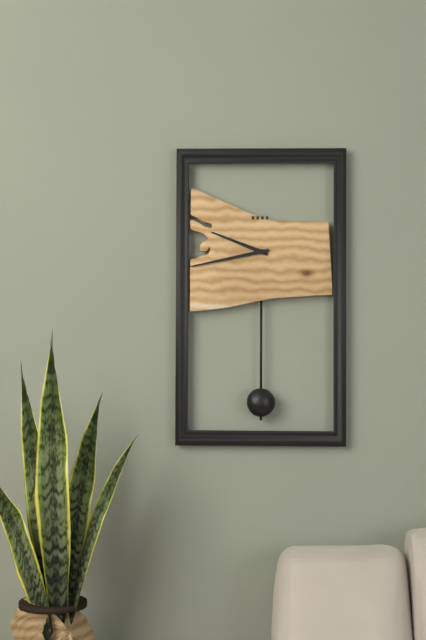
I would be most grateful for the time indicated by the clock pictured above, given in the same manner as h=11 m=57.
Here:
h=9 m=43
